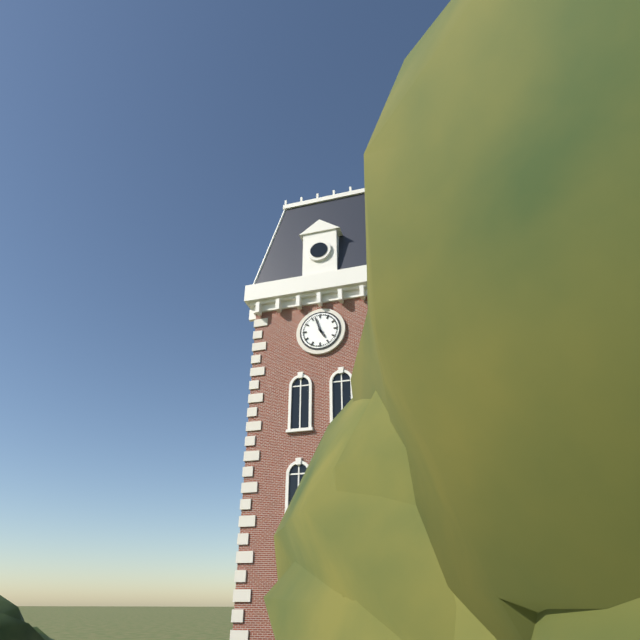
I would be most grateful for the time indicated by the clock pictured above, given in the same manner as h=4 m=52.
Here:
h=4 m=57
